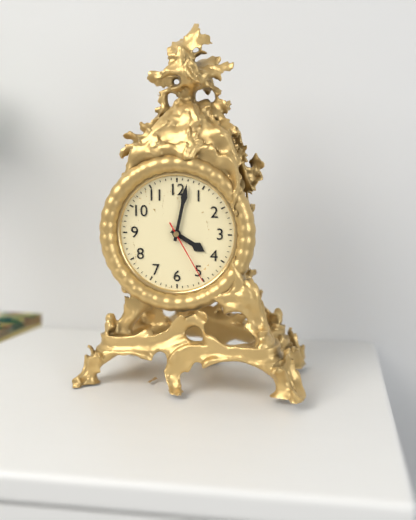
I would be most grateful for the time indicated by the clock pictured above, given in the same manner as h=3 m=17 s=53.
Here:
h=4 m=2 s=25
